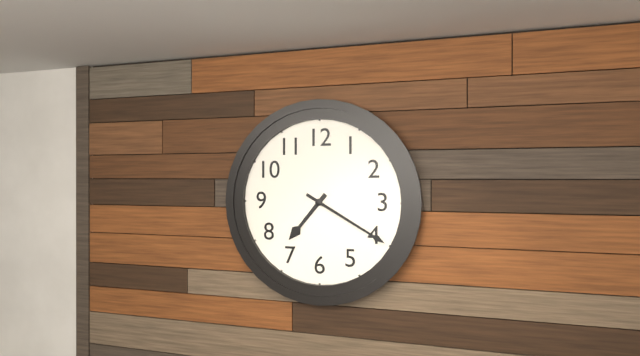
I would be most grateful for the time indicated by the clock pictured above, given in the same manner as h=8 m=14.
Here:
h=7 m=20
